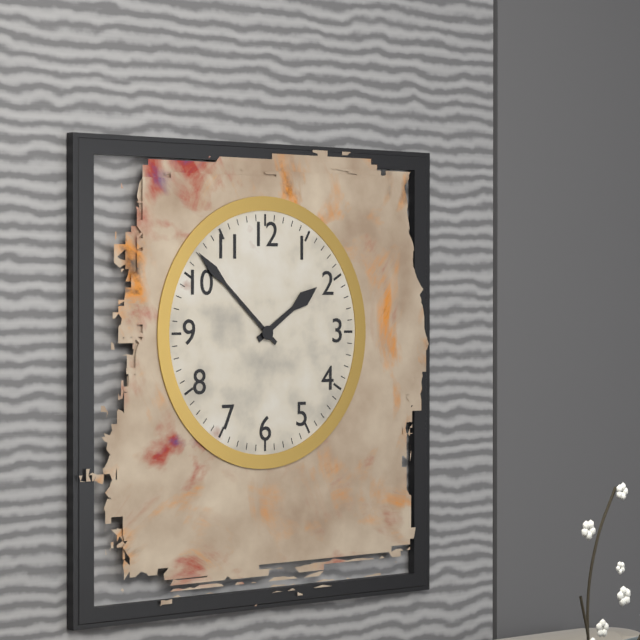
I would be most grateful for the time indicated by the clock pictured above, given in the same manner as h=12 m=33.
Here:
h=1 m=52
